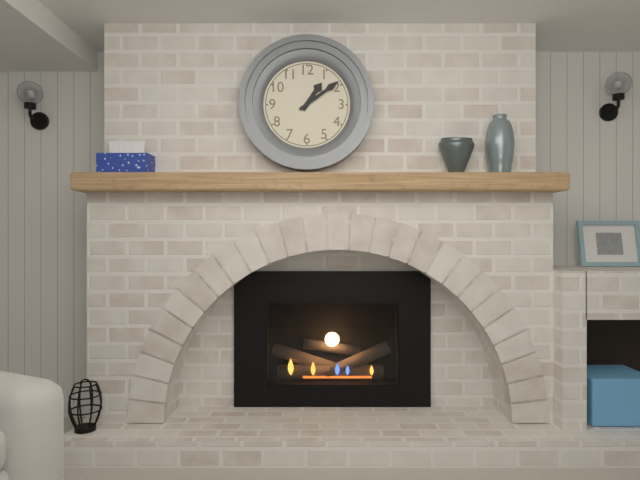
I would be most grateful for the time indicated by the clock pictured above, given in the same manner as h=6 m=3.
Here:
h=1 m=9
